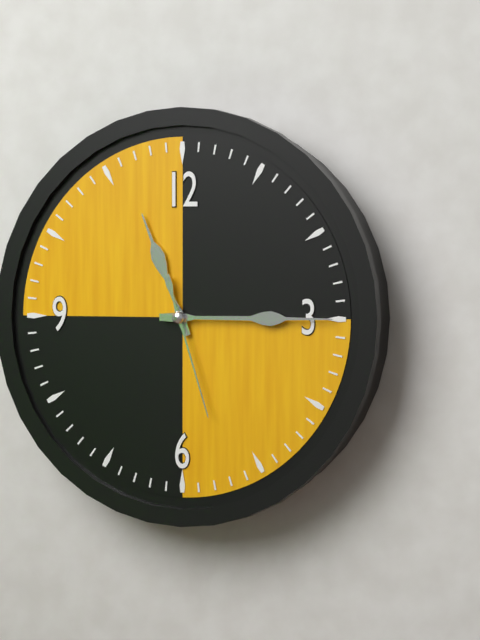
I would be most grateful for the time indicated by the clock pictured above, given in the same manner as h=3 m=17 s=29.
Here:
h=11 m=15 s=27
